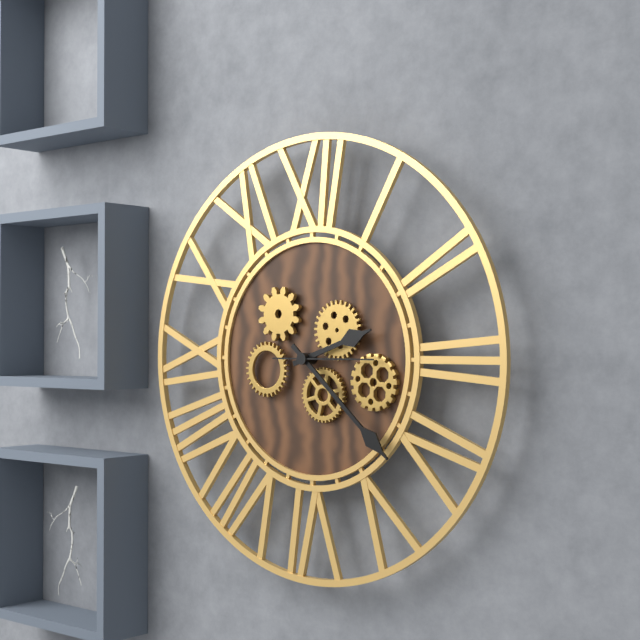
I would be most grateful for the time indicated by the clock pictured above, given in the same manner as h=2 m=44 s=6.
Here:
h=2 m=22 s=15
